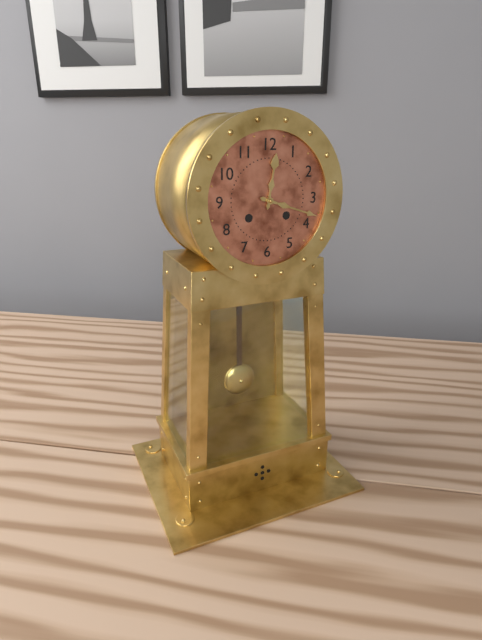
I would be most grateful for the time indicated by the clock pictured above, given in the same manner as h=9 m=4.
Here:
h=12 m=18
